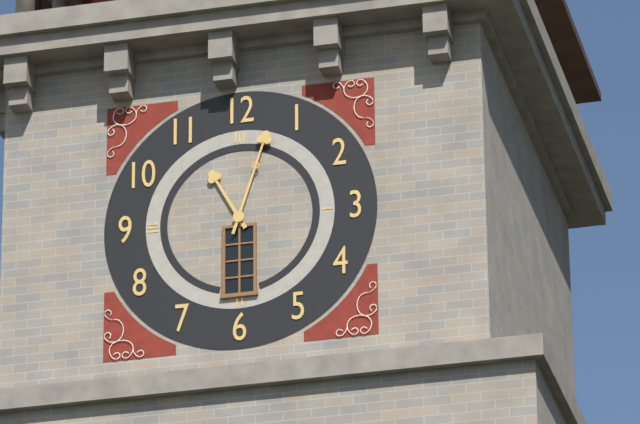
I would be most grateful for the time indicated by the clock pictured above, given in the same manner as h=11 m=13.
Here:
h=11 m=3
